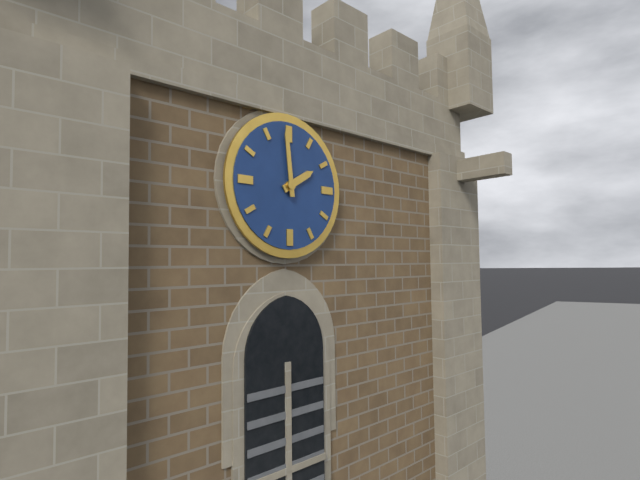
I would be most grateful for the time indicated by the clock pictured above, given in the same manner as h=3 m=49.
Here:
h=1 m=59
